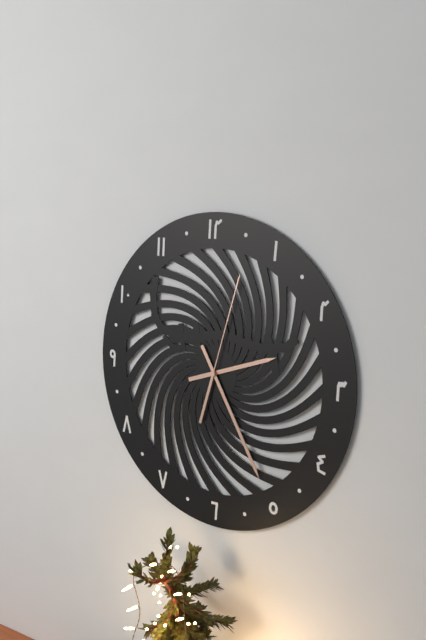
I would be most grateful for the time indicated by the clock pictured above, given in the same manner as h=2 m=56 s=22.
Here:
h=2 m=25 s=3
